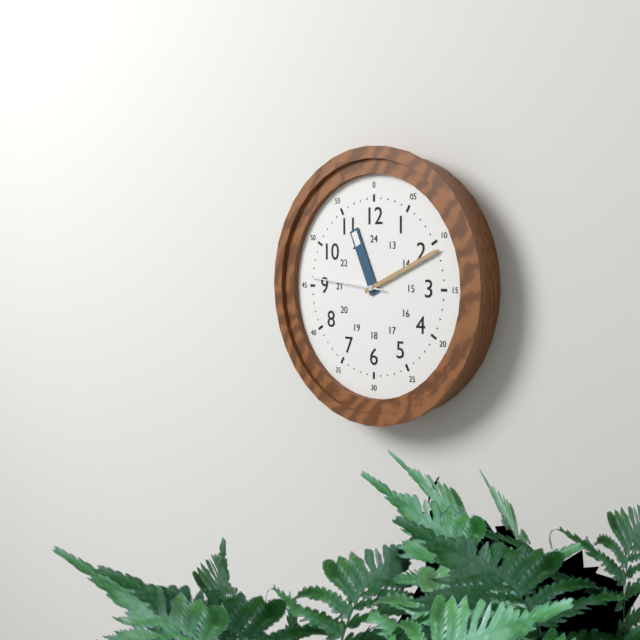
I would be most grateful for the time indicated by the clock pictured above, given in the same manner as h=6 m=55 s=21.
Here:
h=11 m=11 s=46
